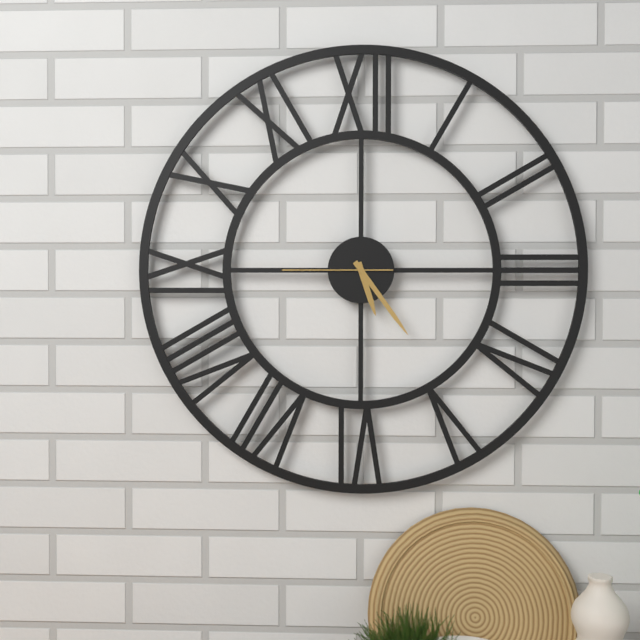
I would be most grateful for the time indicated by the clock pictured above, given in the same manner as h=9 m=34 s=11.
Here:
h=5 m=24 s=45
